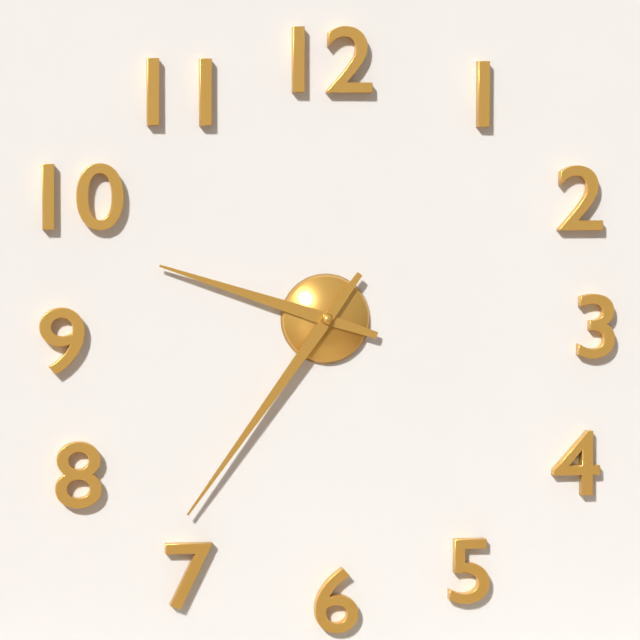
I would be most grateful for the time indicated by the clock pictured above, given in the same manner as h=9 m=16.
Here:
h=9 m=36
